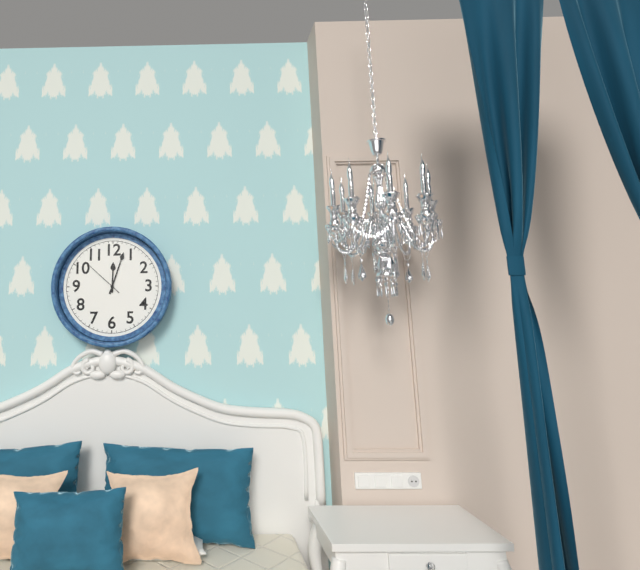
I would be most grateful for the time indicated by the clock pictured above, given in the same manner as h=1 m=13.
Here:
h=12 m=3
